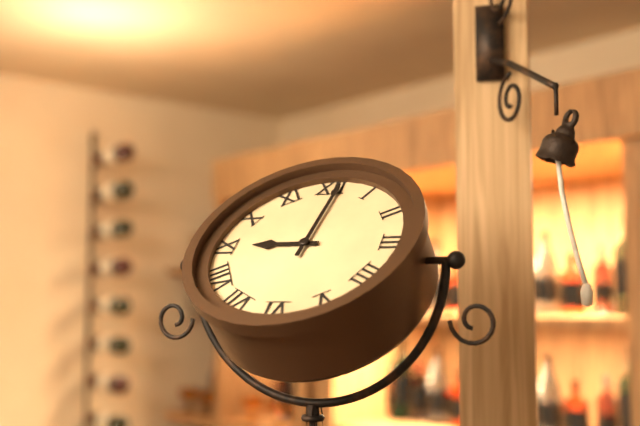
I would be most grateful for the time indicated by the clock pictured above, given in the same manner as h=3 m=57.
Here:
h=9 m=1
